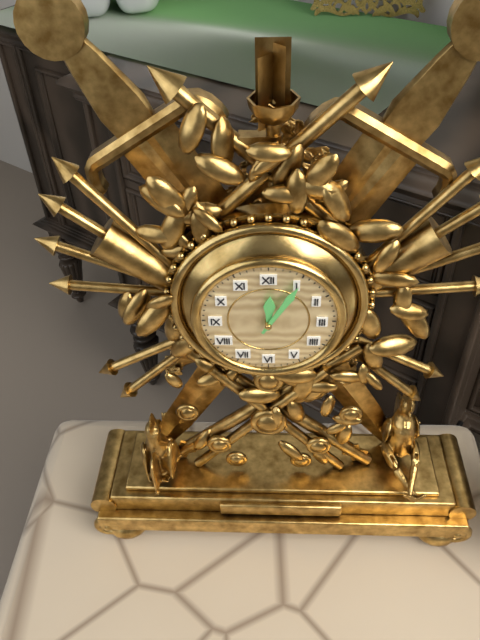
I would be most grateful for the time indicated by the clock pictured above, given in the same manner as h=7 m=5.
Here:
h=12 m=5
